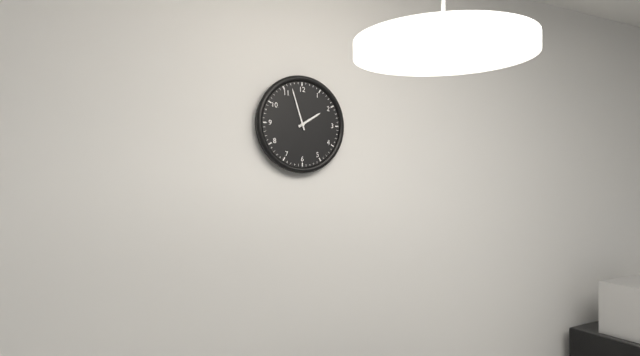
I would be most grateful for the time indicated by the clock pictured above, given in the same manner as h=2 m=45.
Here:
h=1 m=57
